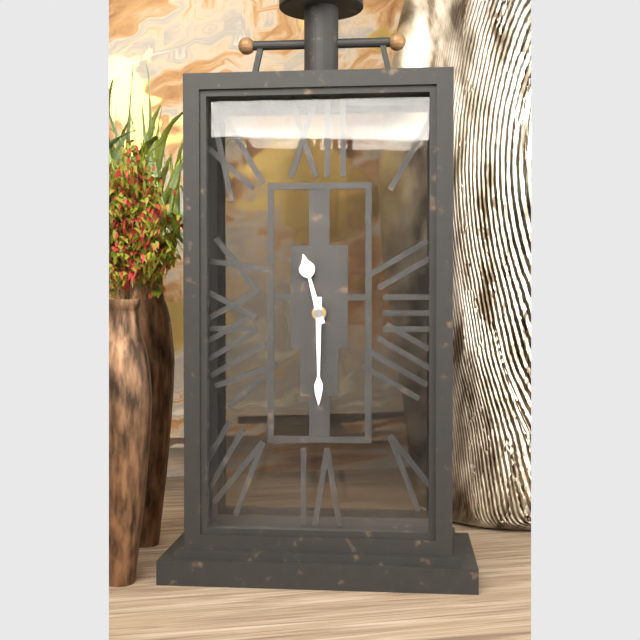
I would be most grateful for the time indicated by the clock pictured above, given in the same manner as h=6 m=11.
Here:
h=11 m=30
